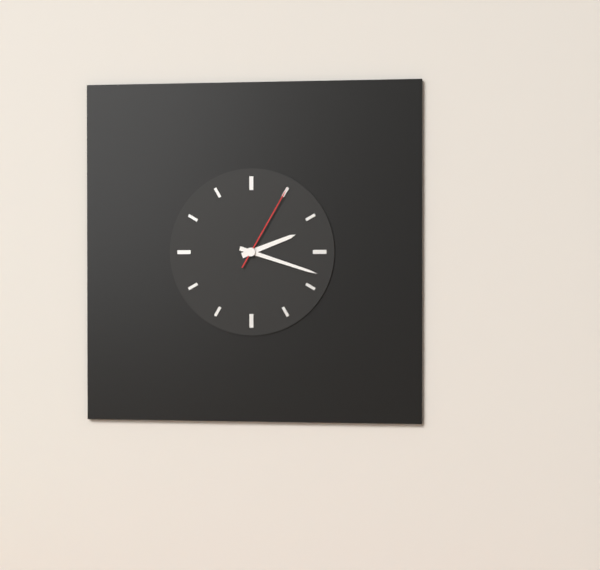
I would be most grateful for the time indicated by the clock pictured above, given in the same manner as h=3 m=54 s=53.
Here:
h=2 m=18 s=5
